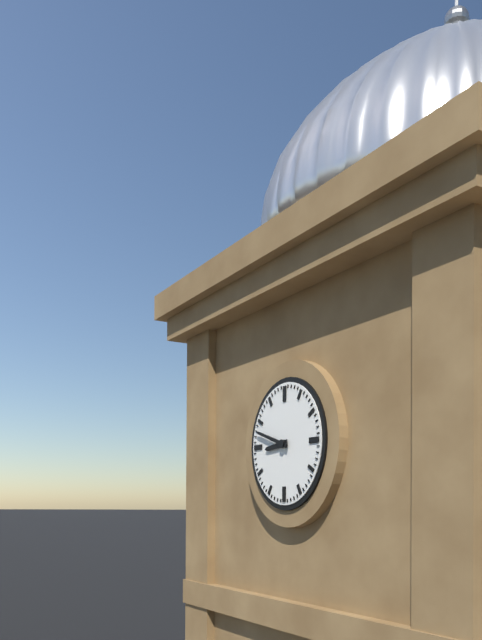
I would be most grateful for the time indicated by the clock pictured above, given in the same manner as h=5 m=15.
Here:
h=8 m=48
